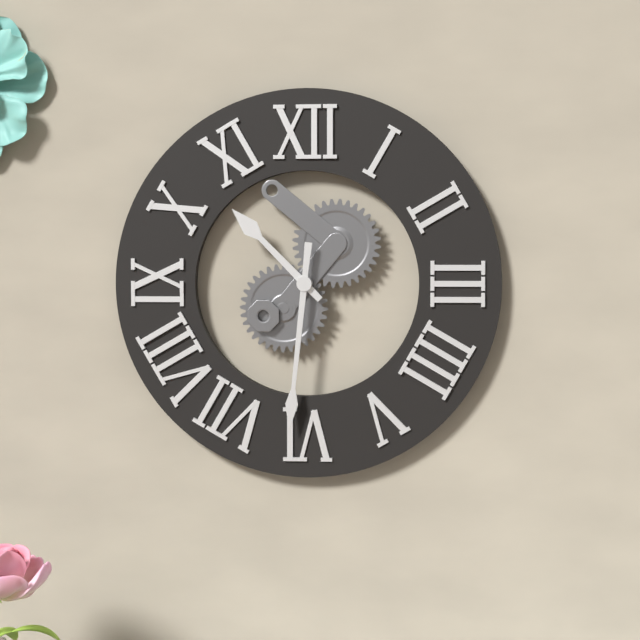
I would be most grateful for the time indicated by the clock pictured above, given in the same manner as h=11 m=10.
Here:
h=10 m=31
